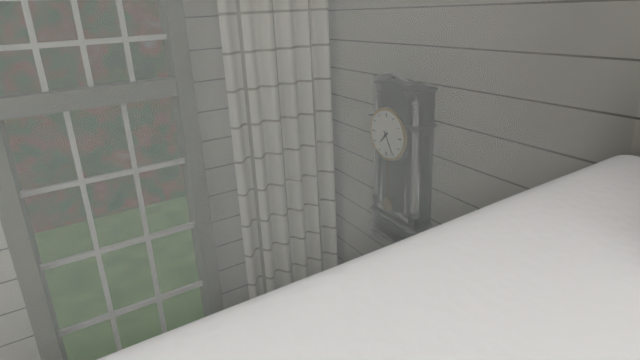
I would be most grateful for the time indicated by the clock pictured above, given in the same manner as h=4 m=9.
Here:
h=7 m=25
